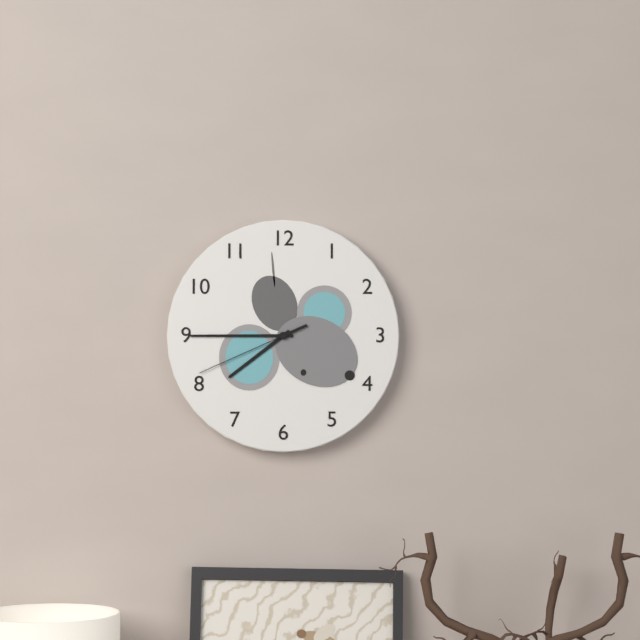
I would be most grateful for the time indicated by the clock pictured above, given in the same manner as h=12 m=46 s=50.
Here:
h=7 m=45 s=41
